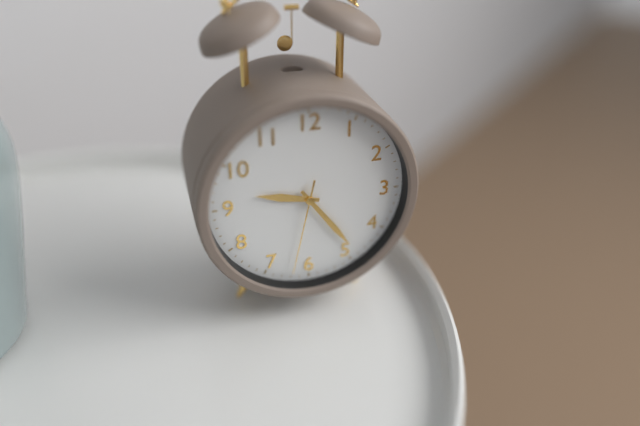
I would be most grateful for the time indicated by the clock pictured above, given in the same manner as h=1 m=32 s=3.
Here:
h=9 m=24 s=32
